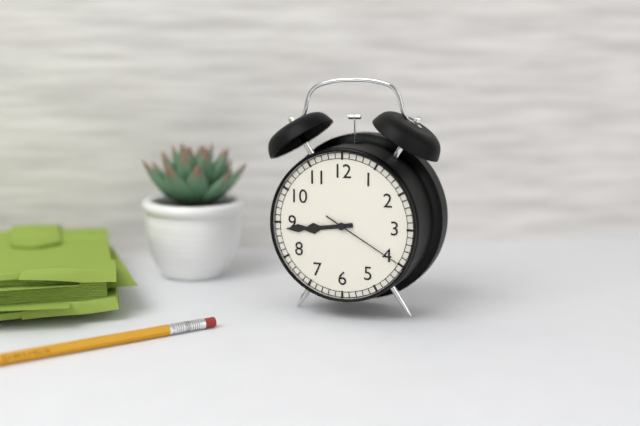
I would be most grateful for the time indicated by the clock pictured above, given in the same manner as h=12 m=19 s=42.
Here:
h=8 m=44 s=20
